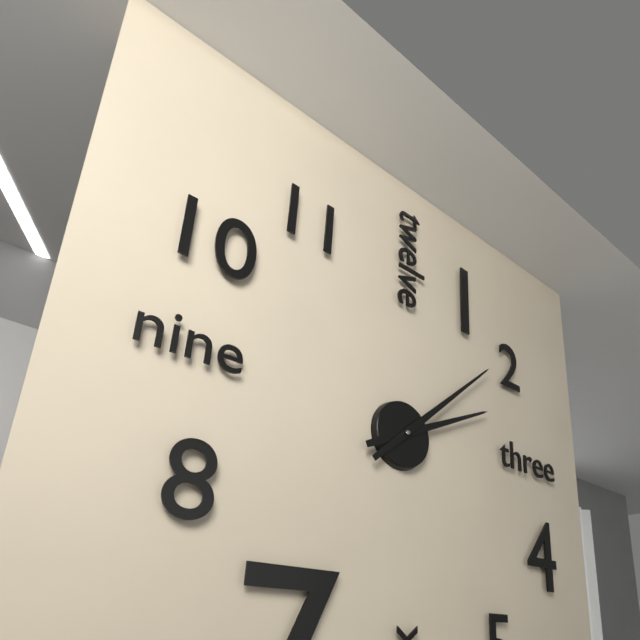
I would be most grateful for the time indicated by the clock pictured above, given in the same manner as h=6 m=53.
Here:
h=2 m=8
